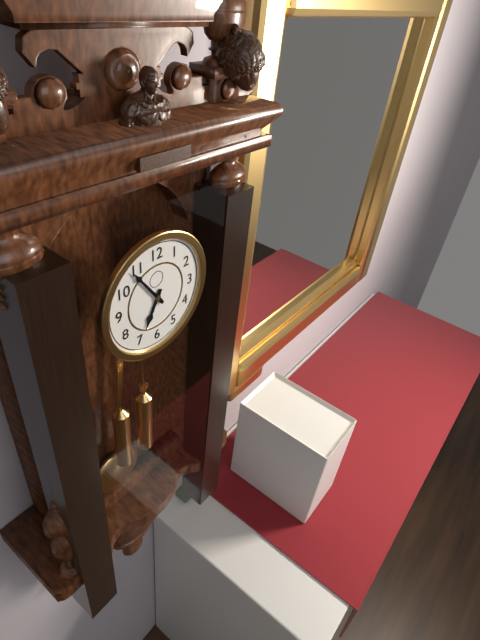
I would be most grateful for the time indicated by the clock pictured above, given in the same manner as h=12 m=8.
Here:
h=6 m=54
